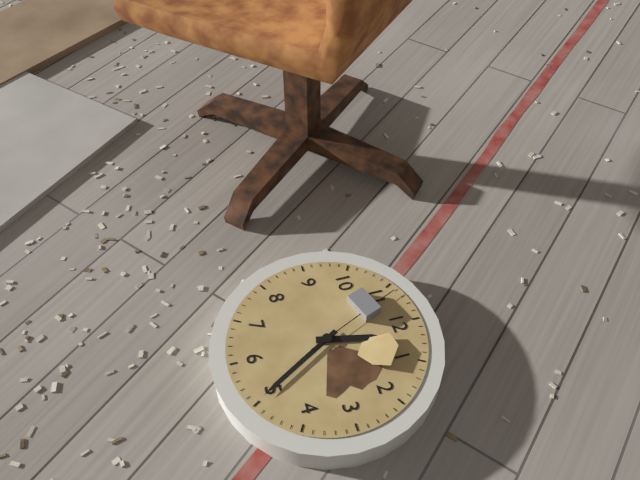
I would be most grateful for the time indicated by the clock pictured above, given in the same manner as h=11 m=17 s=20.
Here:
h=12 m=25 s=56
